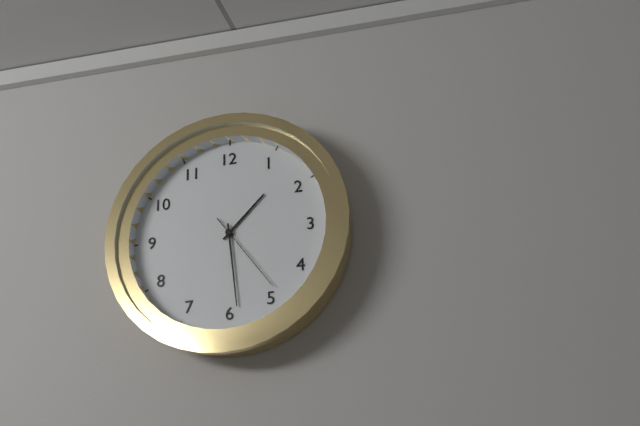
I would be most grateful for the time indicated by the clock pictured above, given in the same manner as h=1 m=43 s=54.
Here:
h=1 m=29 s=24
